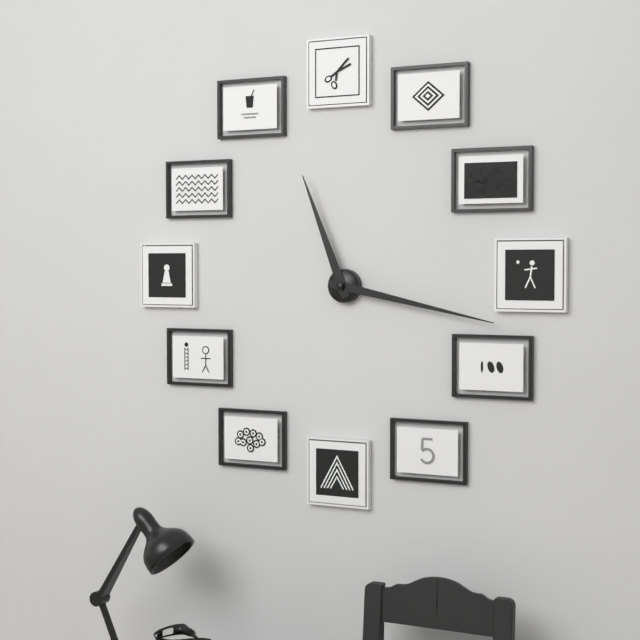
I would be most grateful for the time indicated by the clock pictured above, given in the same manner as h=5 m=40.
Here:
h=11 m=17
